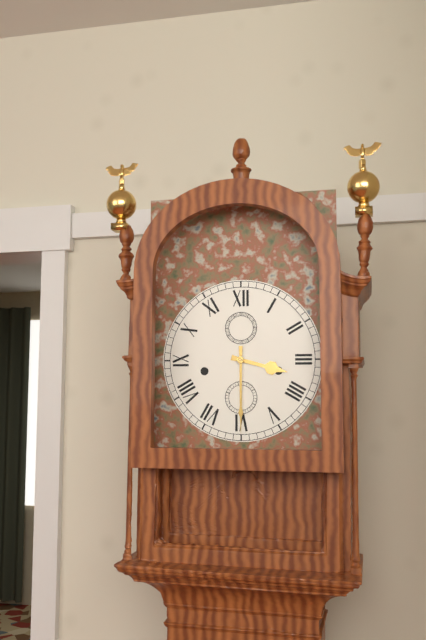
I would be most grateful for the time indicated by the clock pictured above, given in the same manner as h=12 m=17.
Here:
h=3 m=30
